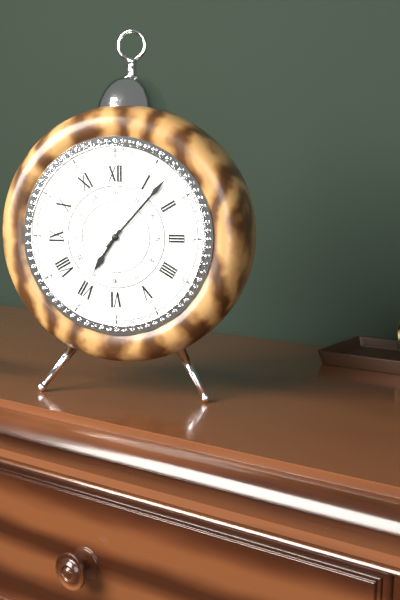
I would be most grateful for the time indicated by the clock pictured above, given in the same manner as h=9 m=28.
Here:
h=7 m=7
